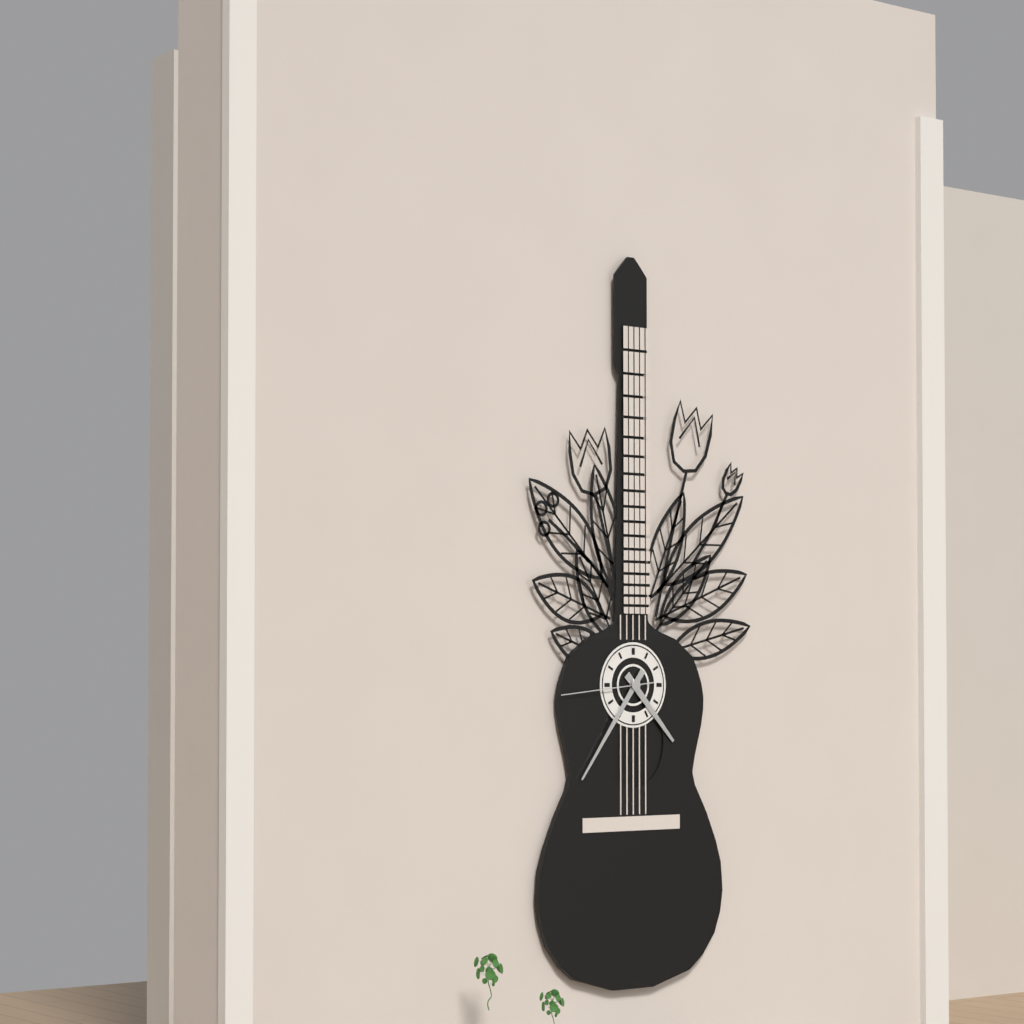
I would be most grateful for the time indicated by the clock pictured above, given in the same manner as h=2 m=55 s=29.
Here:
h=4 m=36 s=44
